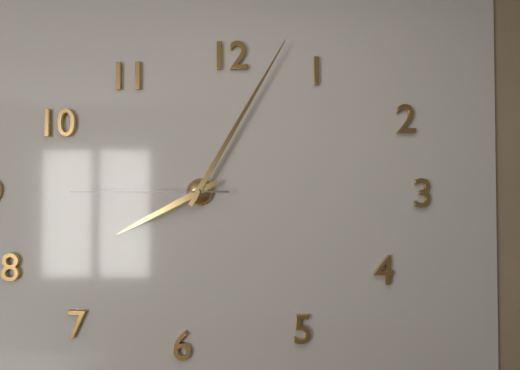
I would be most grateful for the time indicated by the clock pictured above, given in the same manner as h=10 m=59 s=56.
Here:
h=8 m=5 s=45
